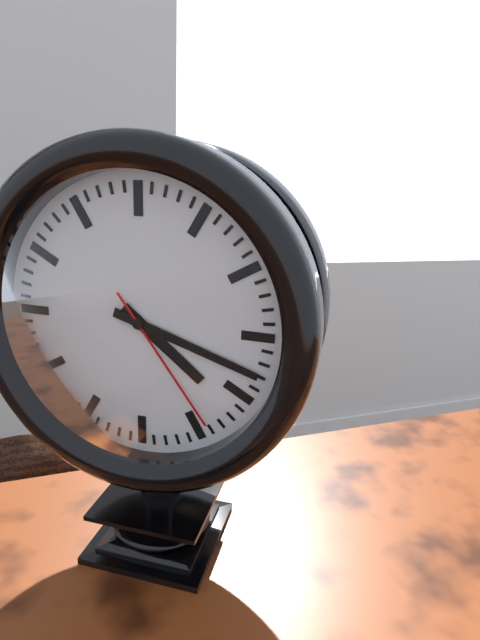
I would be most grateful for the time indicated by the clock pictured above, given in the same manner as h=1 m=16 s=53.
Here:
h=4 m=18 s=24
